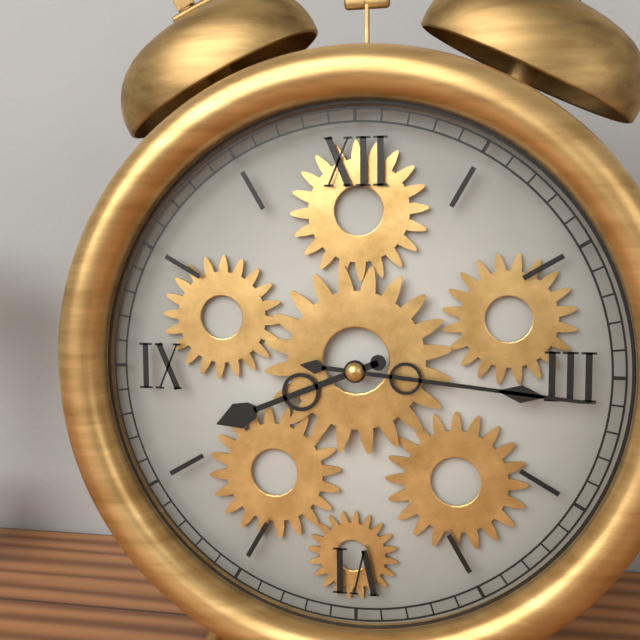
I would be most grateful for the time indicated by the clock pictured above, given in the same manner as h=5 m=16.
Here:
h=8 m=16
